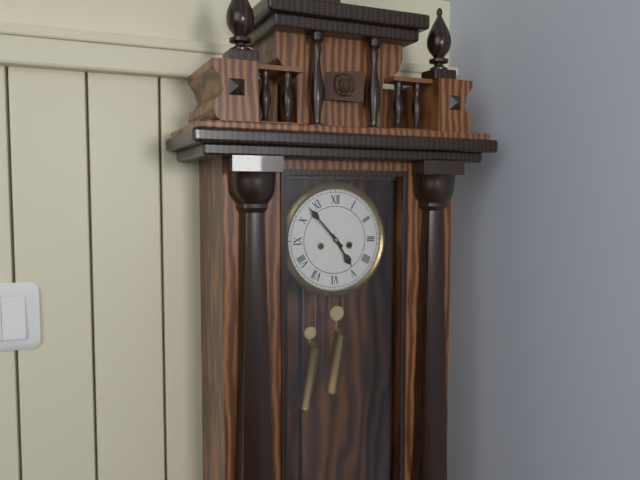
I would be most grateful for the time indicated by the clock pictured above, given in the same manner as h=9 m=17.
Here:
h=4 m=53
